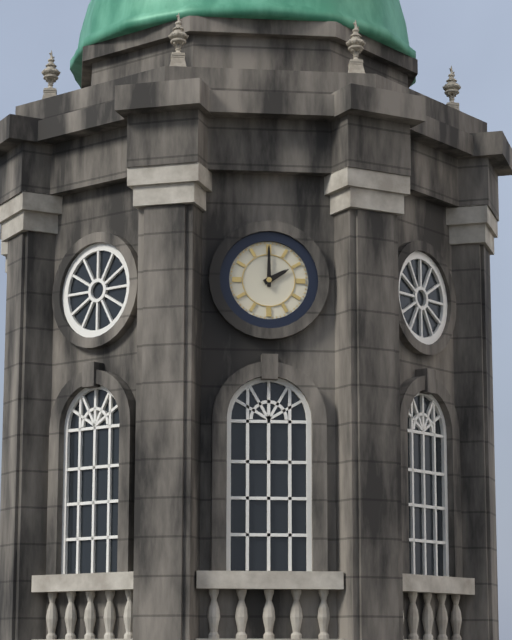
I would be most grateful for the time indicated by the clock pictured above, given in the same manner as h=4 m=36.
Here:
h=2 m=0
